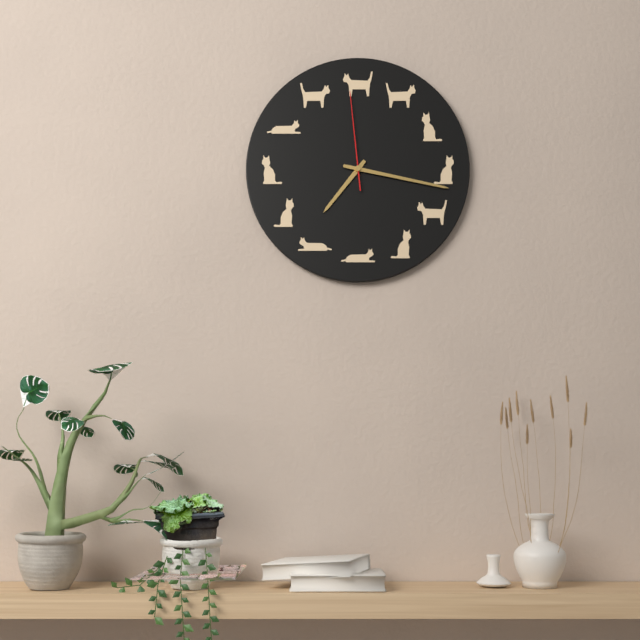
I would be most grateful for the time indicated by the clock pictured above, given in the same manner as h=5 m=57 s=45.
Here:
h=7 m=17 s=59
